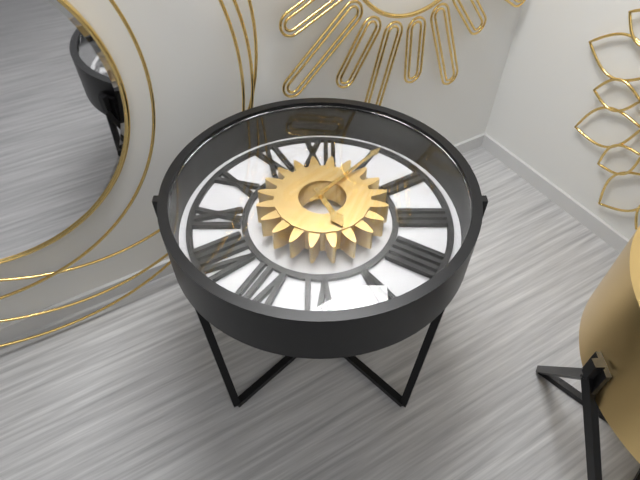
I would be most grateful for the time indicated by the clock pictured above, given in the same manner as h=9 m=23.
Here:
h=5 m=7
